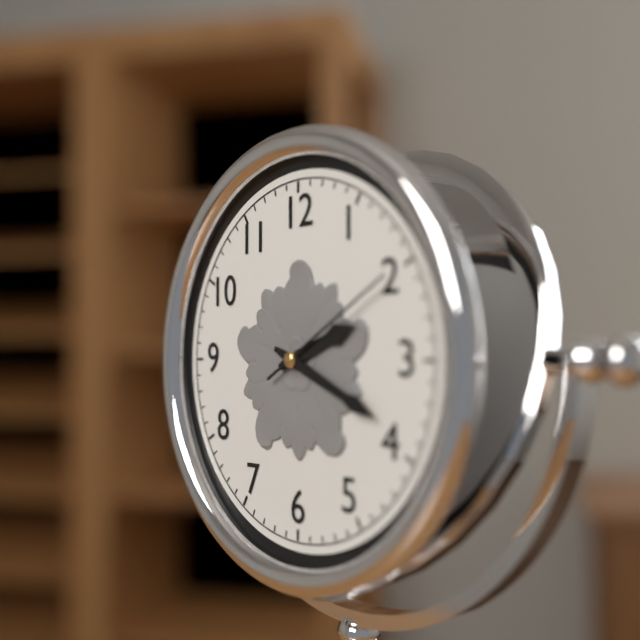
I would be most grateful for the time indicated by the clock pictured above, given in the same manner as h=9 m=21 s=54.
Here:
h=2 m=19 s=10
